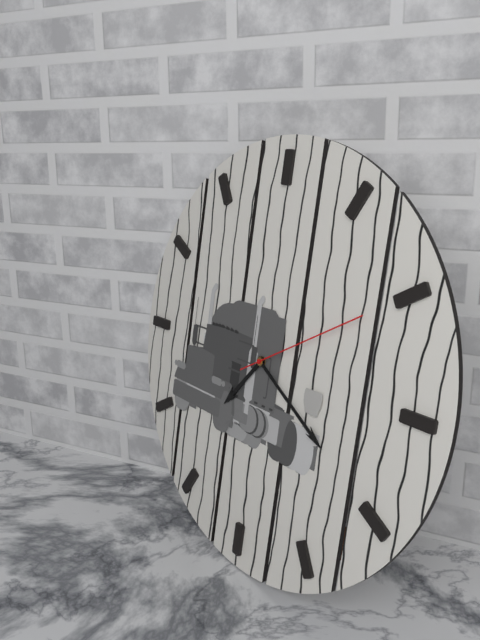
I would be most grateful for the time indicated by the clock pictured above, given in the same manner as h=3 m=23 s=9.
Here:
h=7 m=20 s=10
